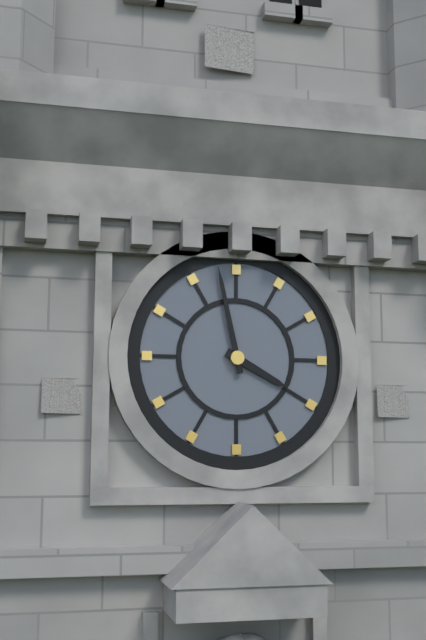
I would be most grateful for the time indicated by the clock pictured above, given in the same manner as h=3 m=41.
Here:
h=3 m=58
